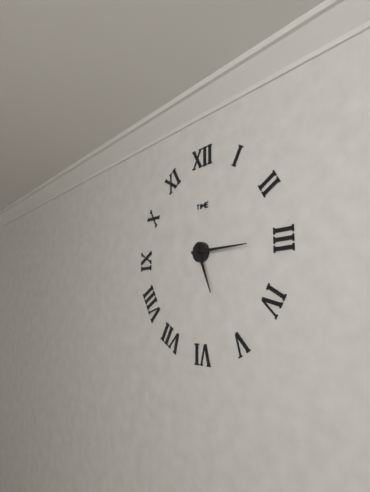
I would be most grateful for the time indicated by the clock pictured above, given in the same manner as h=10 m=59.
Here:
h=5 m=15
